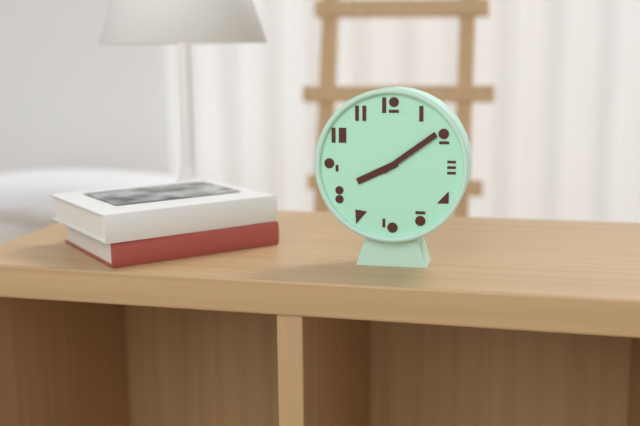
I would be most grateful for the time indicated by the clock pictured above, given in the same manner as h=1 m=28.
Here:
h=8 m=9
